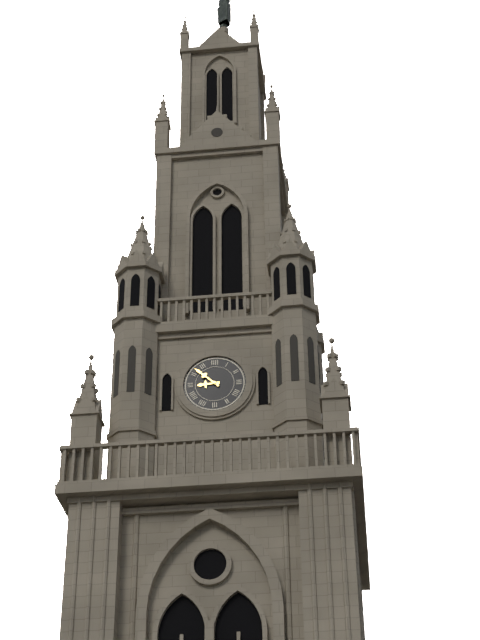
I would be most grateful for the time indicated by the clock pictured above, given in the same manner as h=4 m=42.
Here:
h=8 m=52
